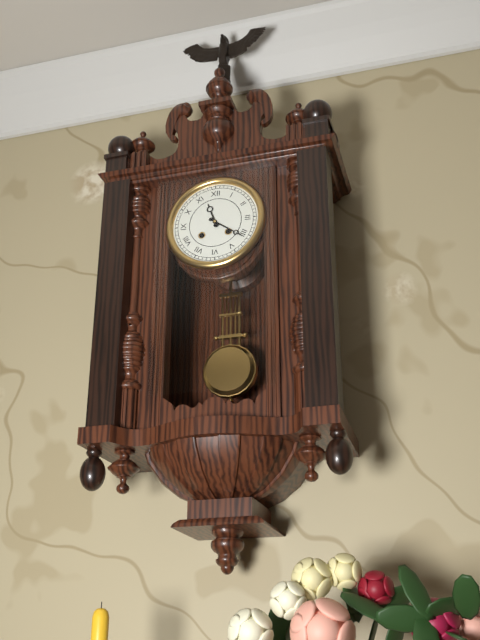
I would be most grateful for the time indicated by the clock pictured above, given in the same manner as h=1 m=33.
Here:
h=11 m=21
